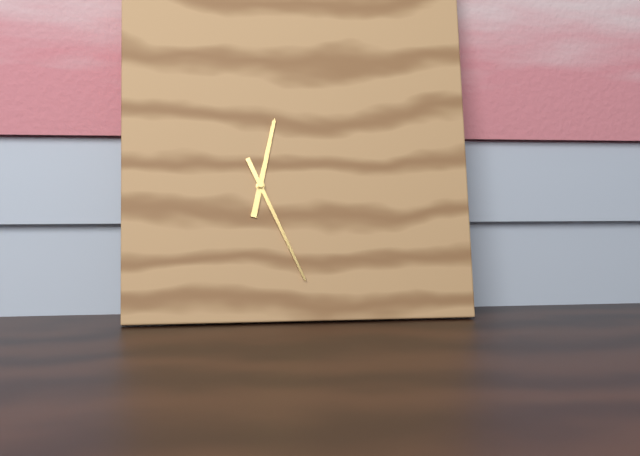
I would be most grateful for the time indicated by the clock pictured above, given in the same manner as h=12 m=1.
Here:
h=12 m=26
